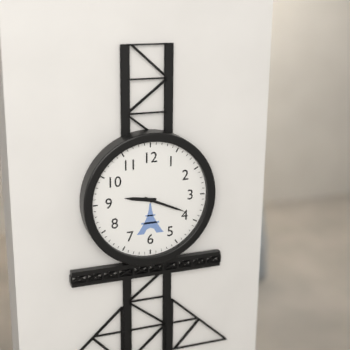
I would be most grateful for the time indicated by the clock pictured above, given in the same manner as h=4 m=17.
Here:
h=9 m=19
